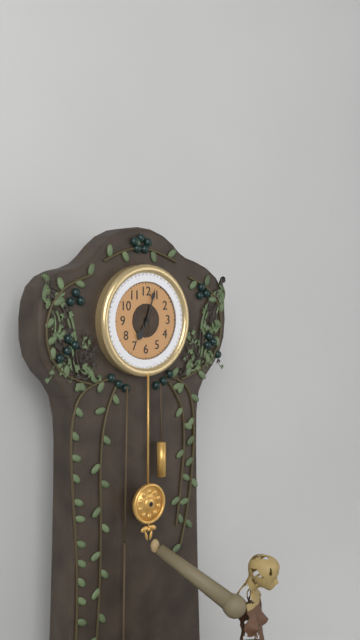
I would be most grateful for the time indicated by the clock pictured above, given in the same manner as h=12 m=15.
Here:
h=7 m=3
